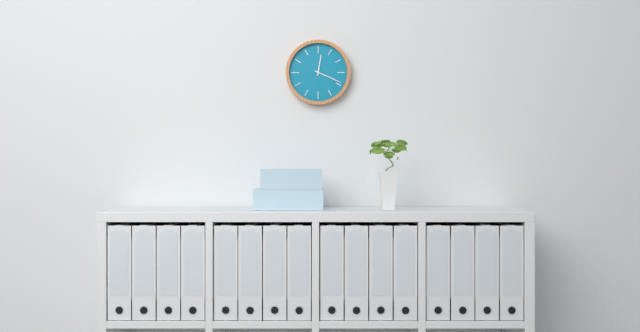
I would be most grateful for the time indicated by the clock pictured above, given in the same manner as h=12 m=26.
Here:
h=12 m=19
